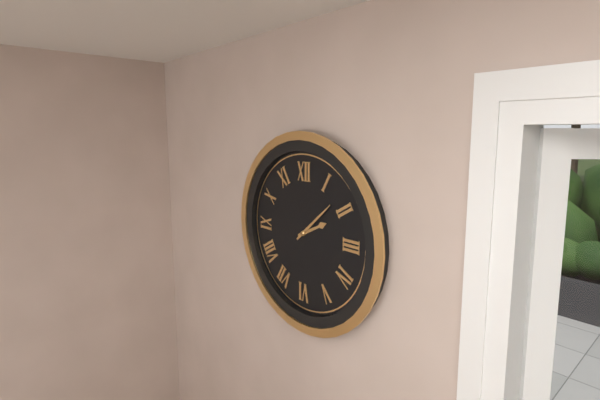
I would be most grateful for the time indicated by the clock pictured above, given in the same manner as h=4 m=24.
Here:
h=2 m=8
